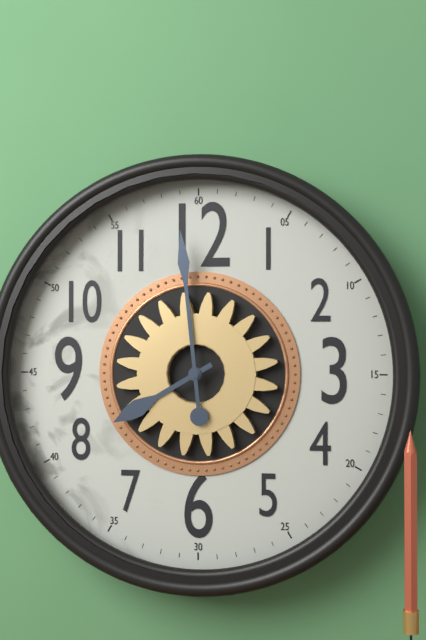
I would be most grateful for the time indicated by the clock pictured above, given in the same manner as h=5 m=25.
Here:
h=7 m=59
